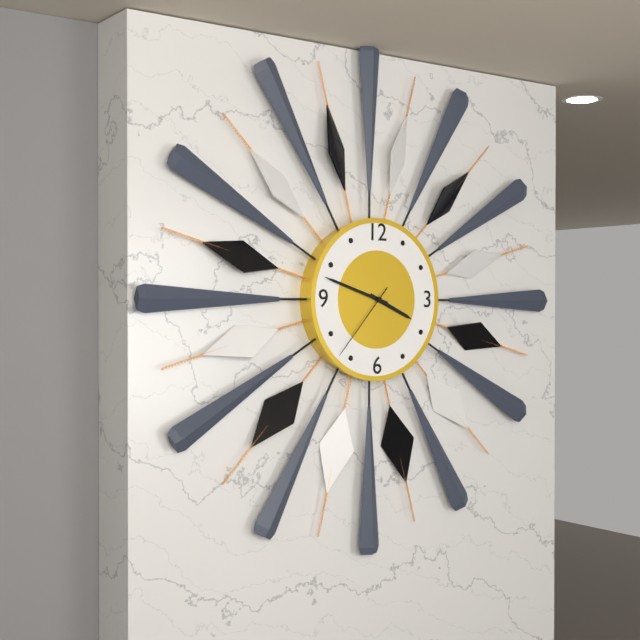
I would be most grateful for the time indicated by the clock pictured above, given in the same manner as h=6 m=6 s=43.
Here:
h=3 m=48 s=37
